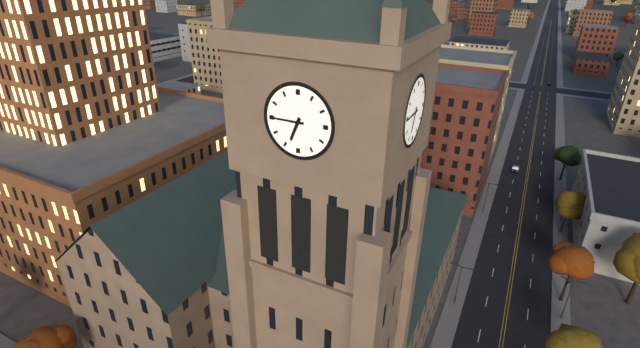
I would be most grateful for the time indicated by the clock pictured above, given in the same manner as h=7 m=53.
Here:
h=6 m=45
